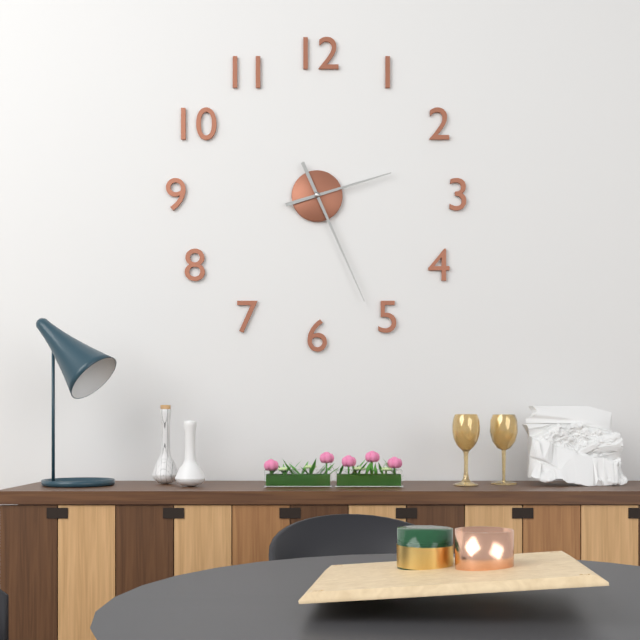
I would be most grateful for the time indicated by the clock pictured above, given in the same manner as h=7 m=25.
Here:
h=2 m=26
